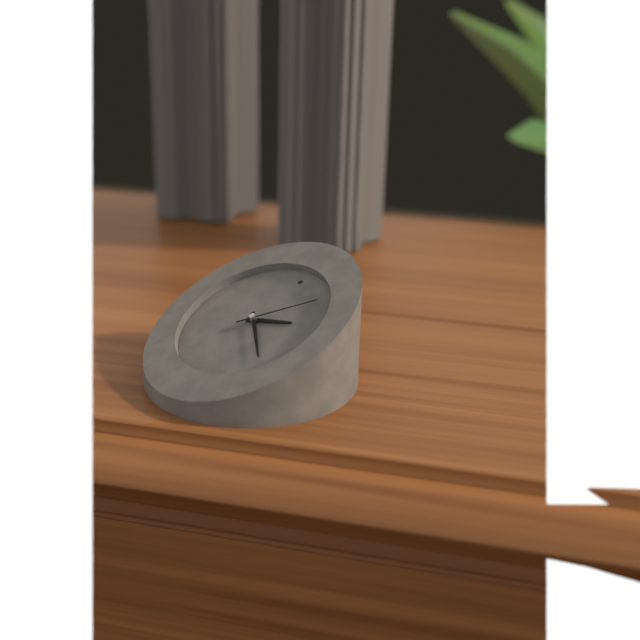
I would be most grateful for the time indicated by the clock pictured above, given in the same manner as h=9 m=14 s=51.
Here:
h=2 m=21 s=7
